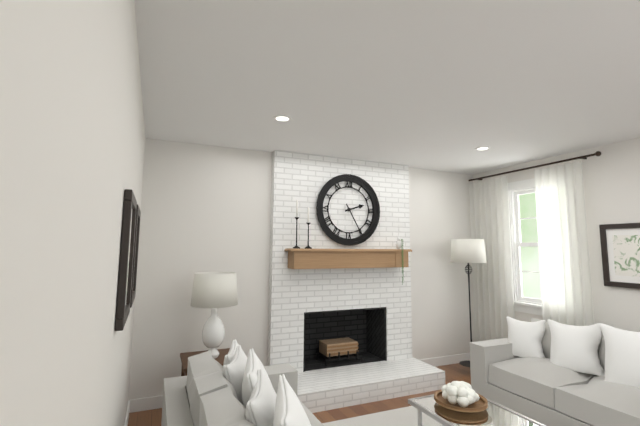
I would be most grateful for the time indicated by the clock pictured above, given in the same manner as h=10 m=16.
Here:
h=2 m=25
